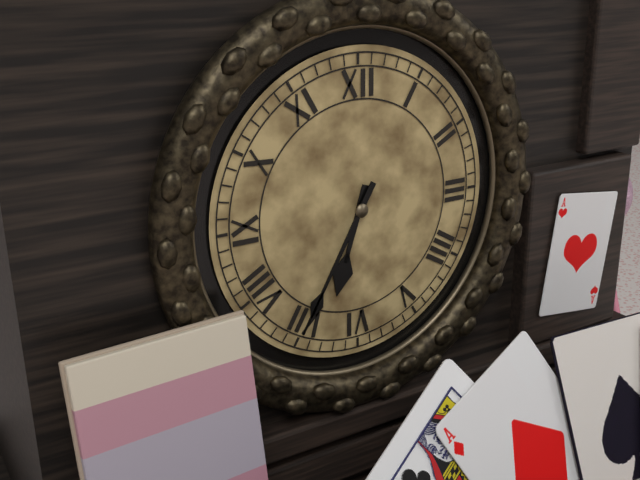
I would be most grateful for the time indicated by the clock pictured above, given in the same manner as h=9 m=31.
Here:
h=6 m=35
